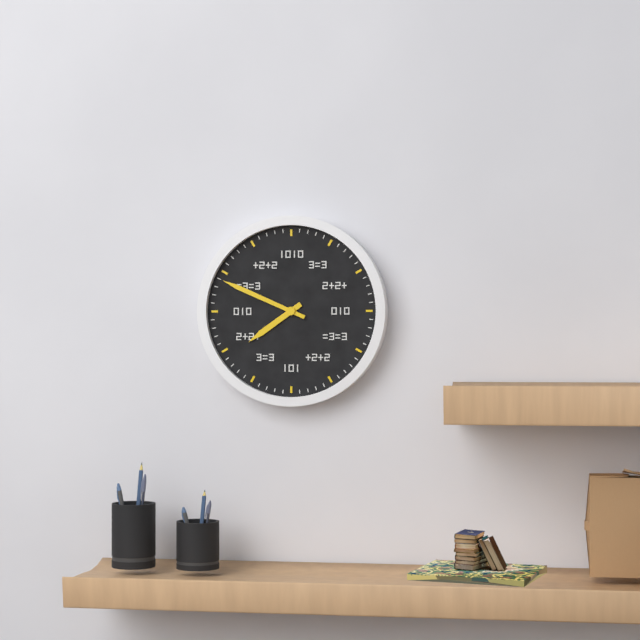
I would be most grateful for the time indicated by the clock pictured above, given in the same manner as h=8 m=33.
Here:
h=7 m=49
